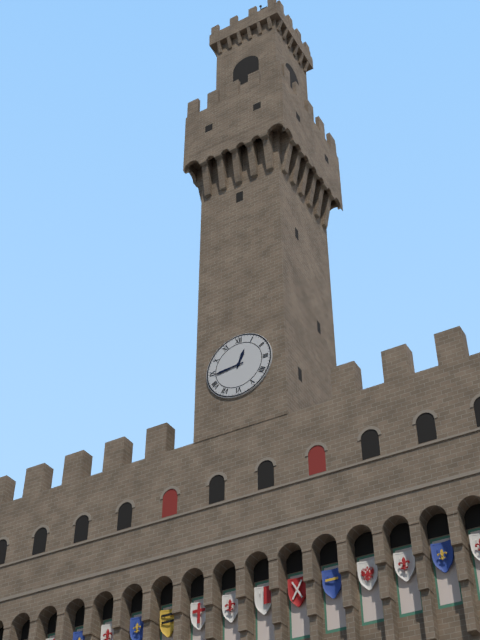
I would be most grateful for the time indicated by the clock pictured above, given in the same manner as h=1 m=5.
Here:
h=12 m=44
